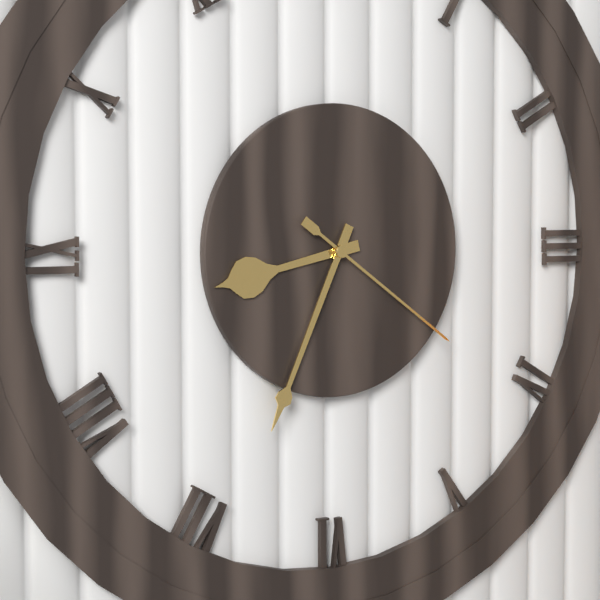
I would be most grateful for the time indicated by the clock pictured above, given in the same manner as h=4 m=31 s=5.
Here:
h=8 m=34 s=21
